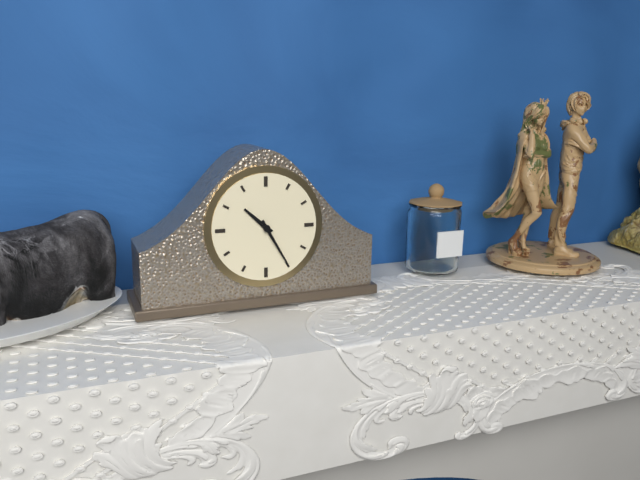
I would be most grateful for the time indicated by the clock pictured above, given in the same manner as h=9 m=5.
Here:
h=10 m=25
